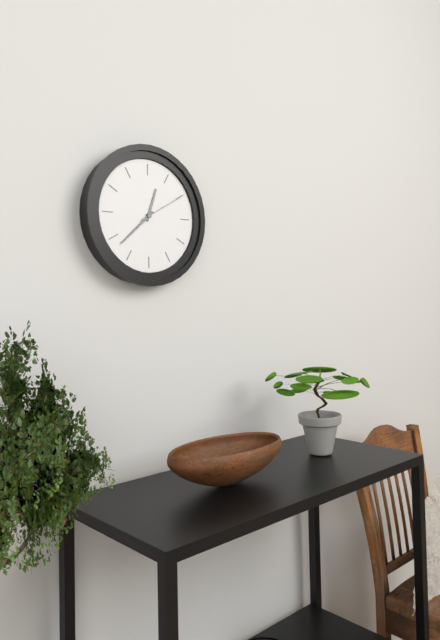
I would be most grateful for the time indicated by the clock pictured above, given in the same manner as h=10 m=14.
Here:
h=12 m=38
